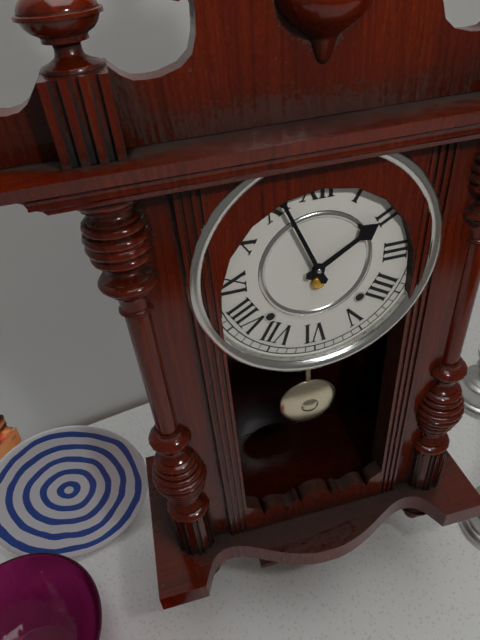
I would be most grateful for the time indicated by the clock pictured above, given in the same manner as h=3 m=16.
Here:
h=1 m=56
